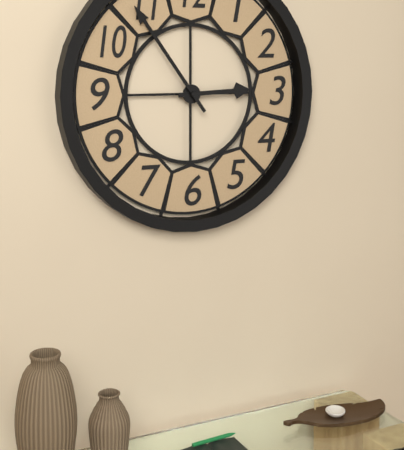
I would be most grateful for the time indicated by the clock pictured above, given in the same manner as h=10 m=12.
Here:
h=2 m=54
